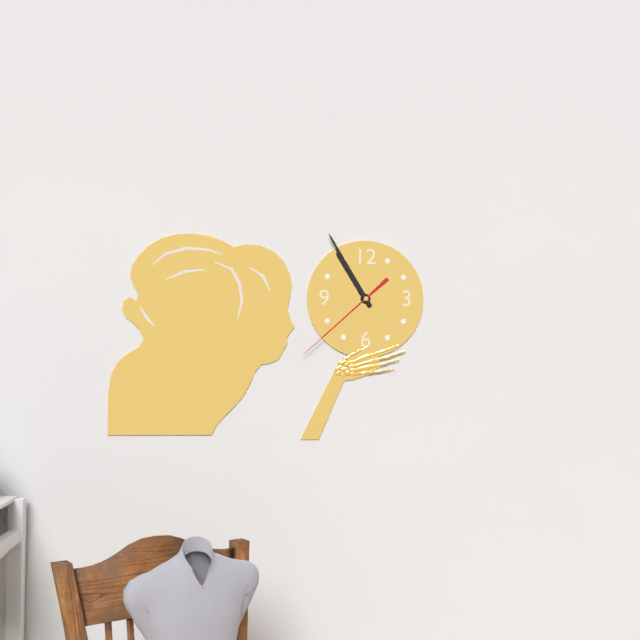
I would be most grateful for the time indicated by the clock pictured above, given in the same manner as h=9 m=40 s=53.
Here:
h=10 m=55 s=38
